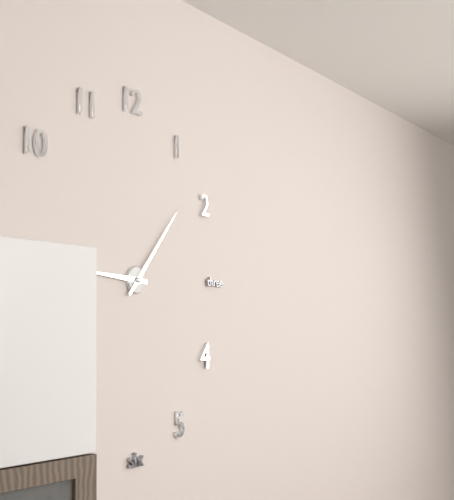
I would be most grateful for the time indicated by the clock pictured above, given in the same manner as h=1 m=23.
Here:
h=9 m=7
